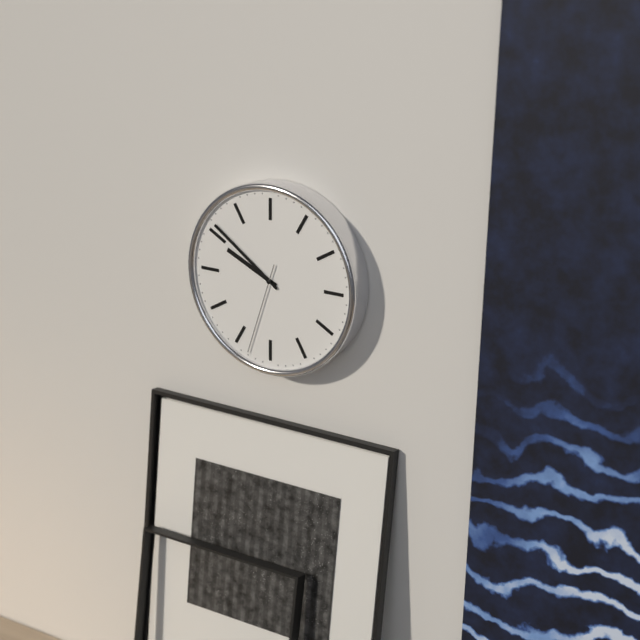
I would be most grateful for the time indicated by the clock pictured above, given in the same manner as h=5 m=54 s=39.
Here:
h=9 m=51 s=33
